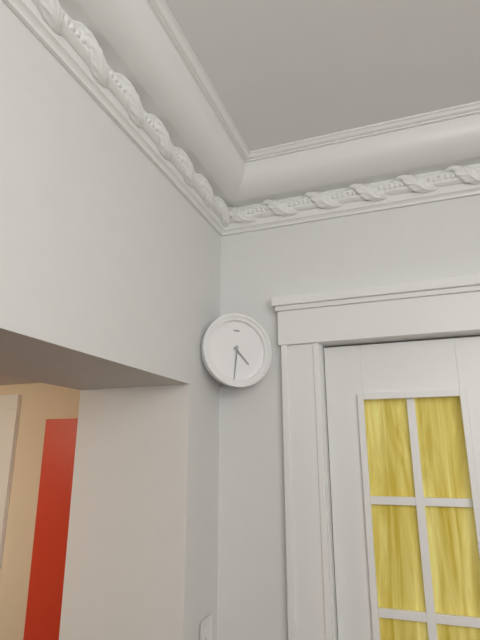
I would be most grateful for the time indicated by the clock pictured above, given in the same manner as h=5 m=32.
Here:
h=4 m=31
